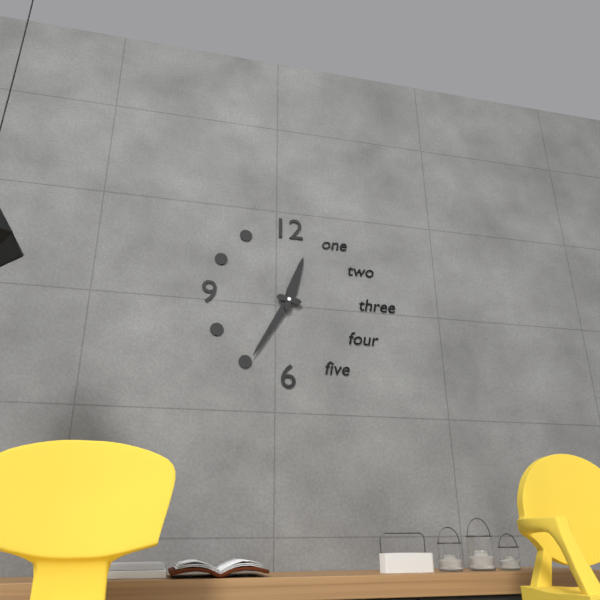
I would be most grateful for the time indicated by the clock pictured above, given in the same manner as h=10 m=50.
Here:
h=12 m=35
